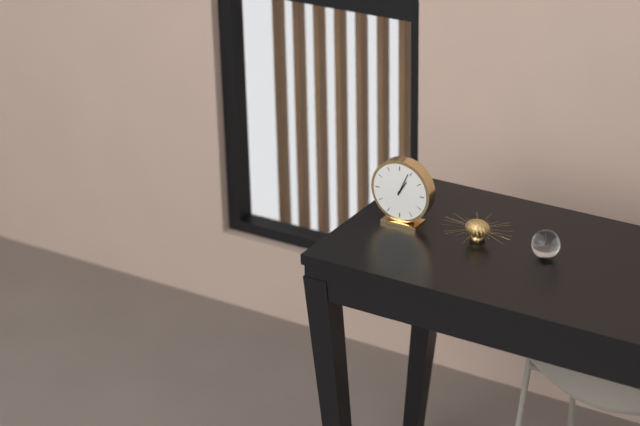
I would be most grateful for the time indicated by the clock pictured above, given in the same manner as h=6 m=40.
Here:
h=1 m=4
